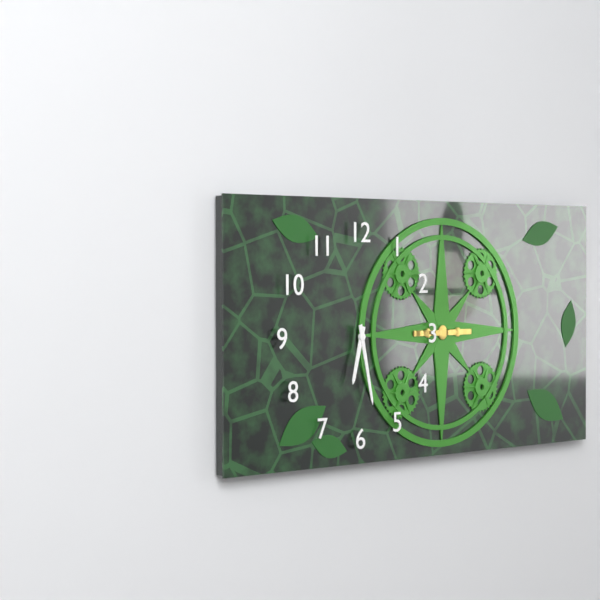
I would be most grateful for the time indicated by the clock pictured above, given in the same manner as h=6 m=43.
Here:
h=6 m=28
